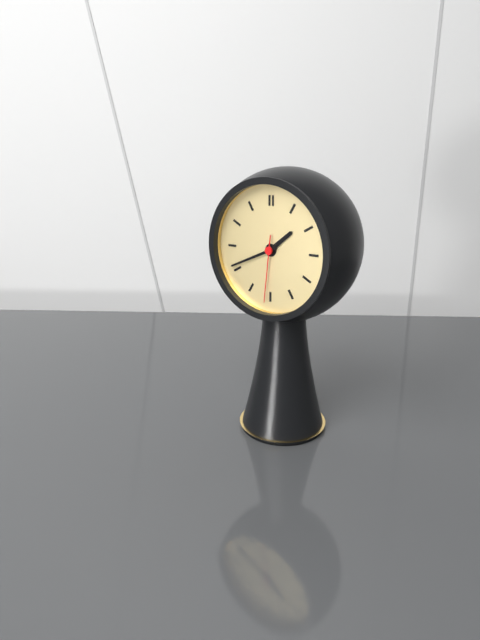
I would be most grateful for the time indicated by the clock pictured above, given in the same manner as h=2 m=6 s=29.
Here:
h=1 m=41 s=31
